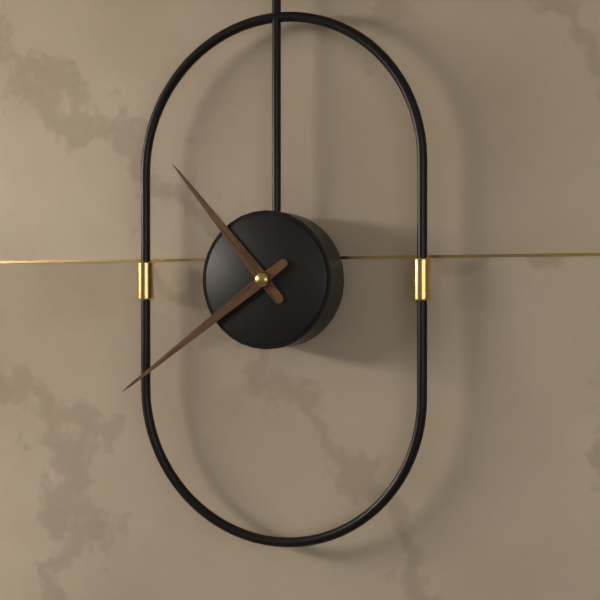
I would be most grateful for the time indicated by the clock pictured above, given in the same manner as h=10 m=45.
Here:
h=10 m=39
